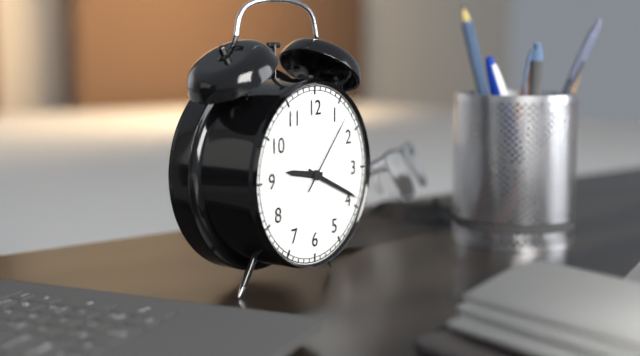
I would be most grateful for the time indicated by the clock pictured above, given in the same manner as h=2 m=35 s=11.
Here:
h=9 m=19 s=7
